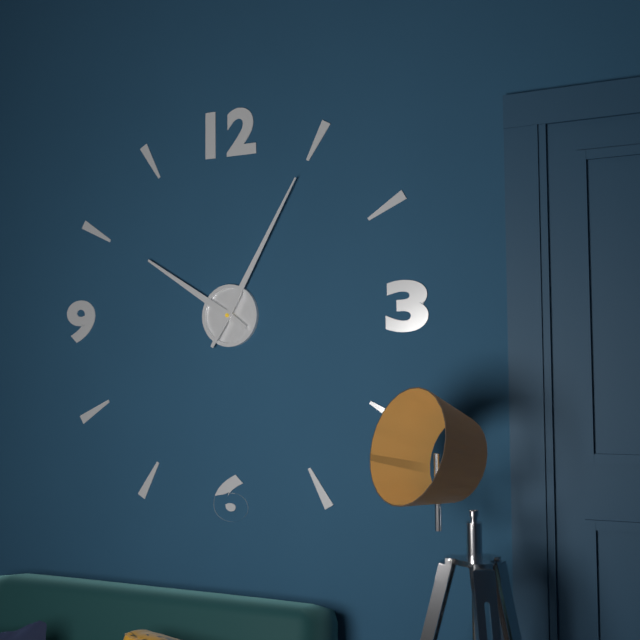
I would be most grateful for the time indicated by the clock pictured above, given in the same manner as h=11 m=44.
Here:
h=10 m=5
